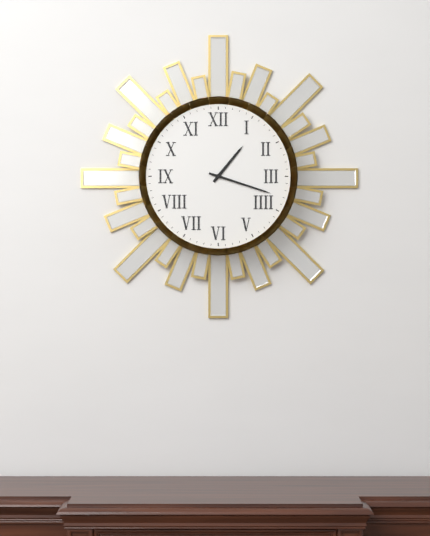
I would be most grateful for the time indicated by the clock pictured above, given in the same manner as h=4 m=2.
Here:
h=1 m=18
